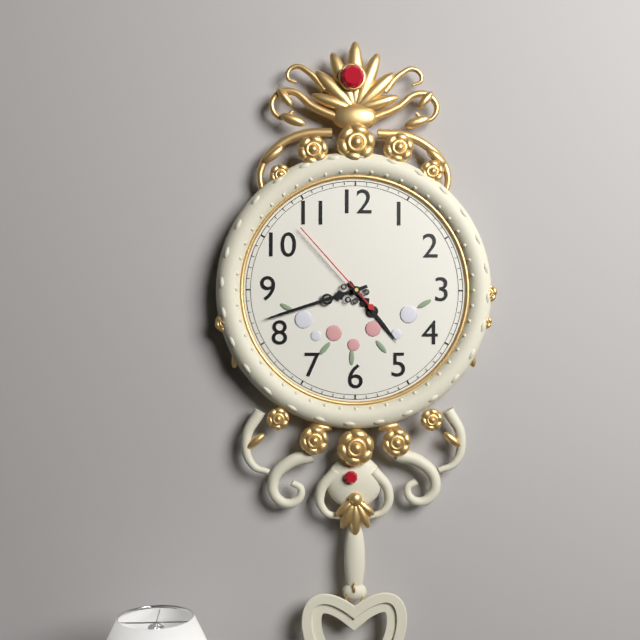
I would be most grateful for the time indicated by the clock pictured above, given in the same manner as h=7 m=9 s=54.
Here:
h=4 m=42 s=53
